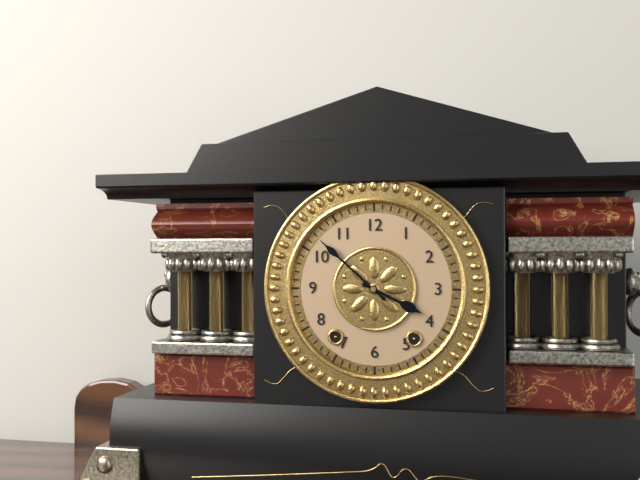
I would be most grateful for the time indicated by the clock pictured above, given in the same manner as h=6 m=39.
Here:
h=3 m=52
